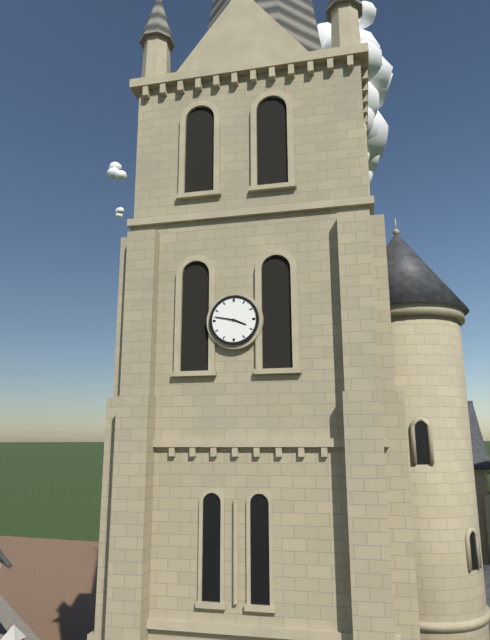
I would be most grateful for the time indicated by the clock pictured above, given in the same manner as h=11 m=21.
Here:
h=3 m=47
